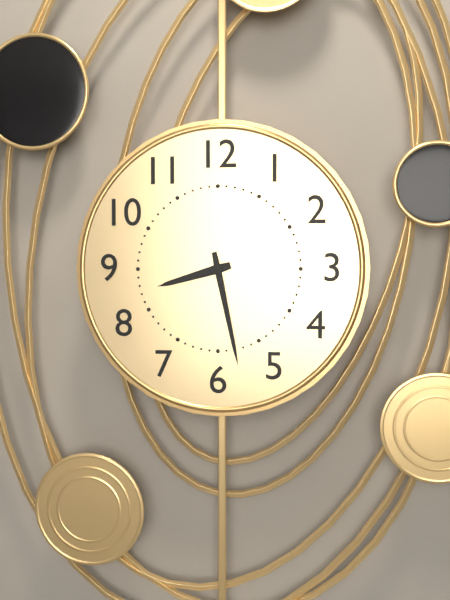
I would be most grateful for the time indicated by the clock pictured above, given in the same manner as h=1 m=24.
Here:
h=8 m=28
